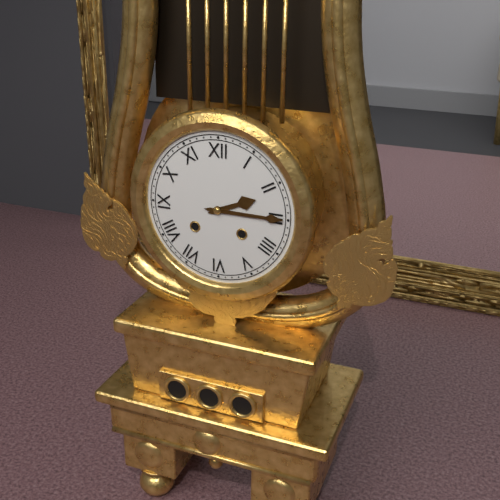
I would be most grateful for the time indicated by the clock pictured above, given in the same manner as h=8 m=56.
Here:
h=2 m=15
